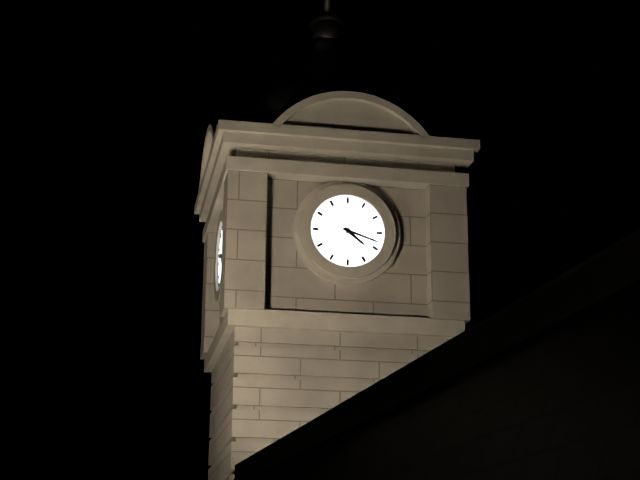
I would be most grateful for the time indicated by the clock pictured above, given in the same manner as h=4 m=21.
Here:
h=4 m=18
